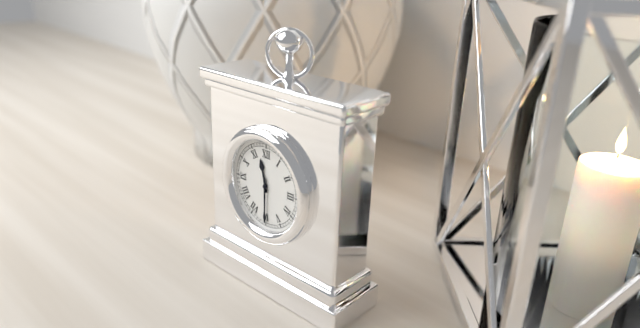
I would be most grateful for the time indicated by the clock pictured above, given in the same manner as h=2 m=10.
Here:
h=11 m=30
